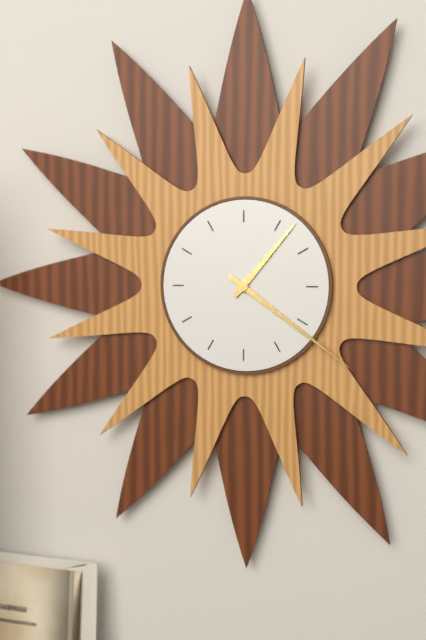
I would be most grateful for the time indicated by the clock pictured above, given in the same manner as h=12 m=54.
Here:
h=1 m=21
